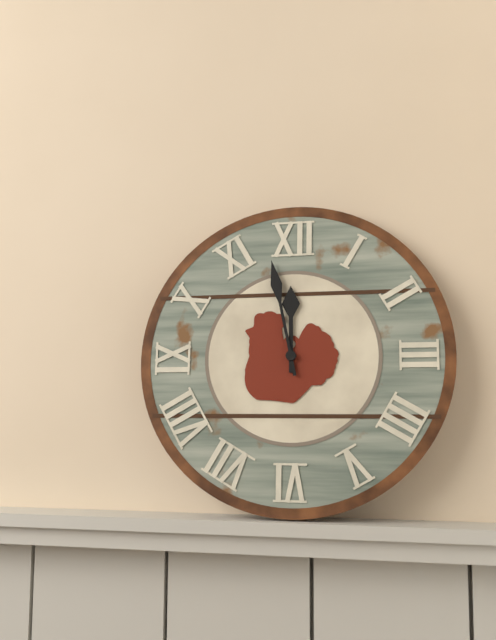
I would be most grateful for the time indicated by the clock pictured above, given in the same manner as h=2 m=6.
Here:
h=11 m=58
